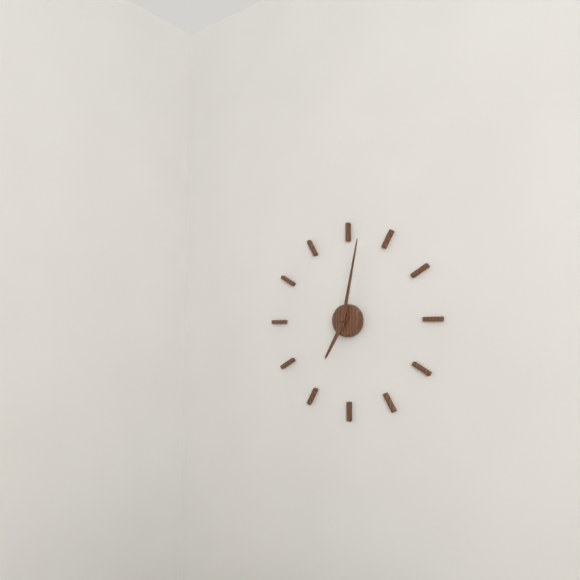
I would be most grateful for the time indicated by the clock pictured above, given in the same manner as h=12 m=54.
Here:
h=7 m=2
